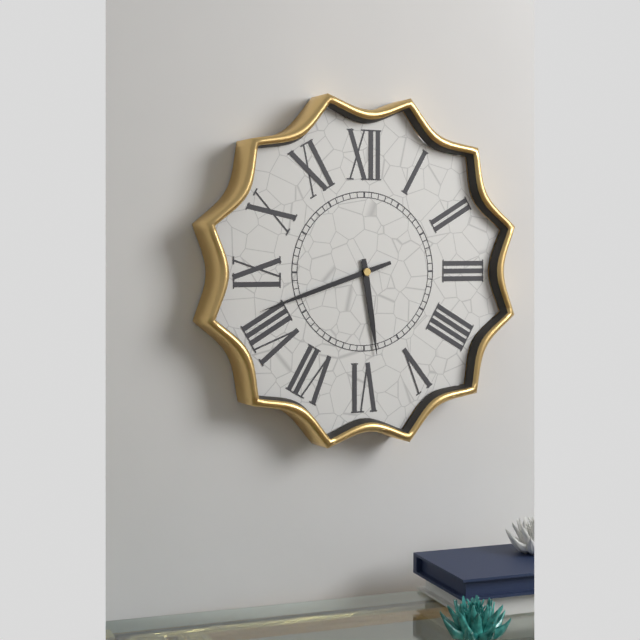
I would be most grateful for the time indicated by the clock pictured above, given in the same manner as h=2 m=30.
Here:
h=5 m=42
